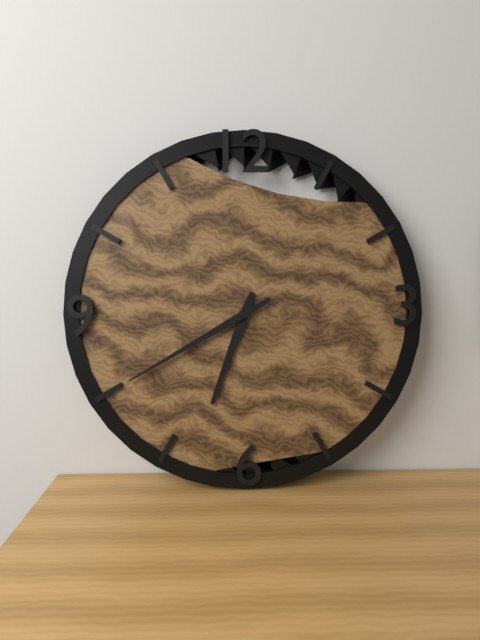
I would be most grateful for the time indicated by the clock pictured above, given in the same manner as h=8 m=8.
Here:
h=6 m=40
